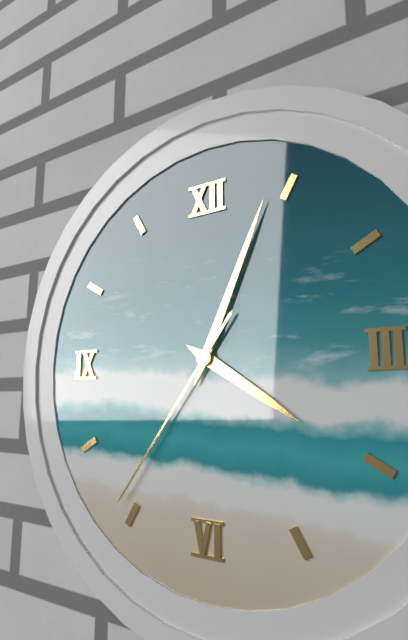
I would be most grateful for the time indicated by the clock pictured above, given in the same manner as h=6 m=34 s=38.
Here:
h=4 m=4 s=36
